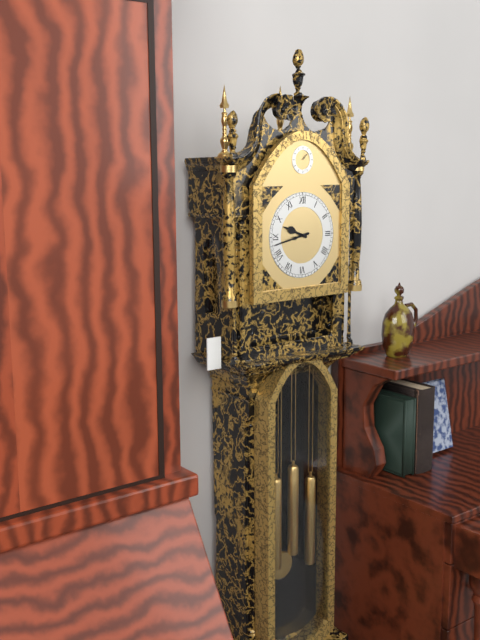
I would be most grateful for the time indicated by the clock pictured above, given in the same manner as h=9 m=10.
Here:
h=9 m=43
